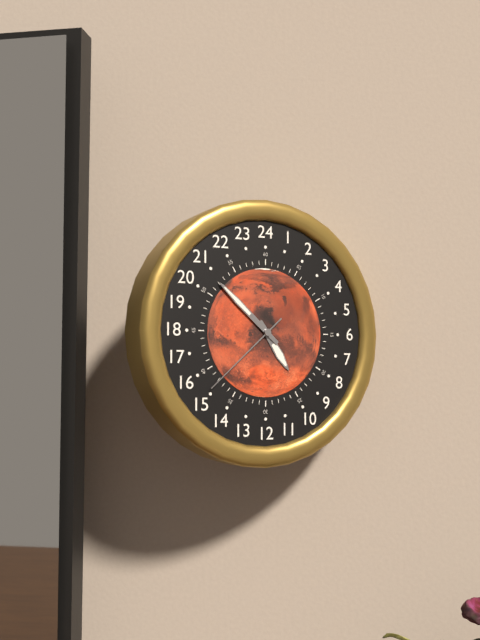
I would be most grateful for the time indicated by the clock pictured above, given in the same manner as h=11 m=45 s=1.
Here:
h=4 m=52 s=38
